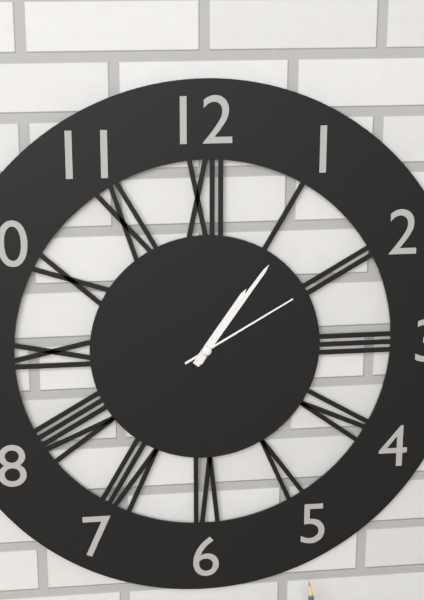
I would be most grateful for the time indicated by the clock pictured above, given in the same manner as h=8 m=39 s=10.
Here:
h=1 m=6 s=10
